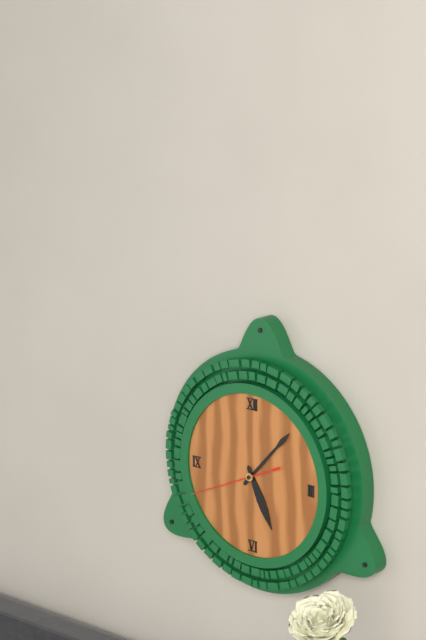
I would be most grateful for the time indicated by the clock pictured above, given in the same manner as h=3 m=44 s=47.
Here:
h=5 m=7 s=41
